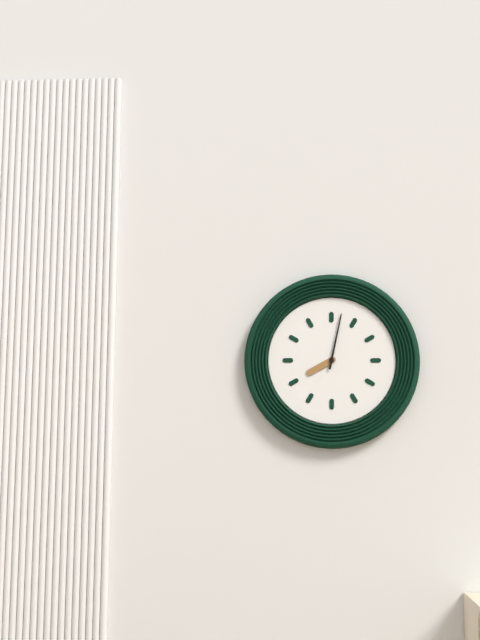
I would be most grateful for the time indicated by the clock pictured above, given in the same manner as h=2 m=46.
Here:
h=8 m=2
